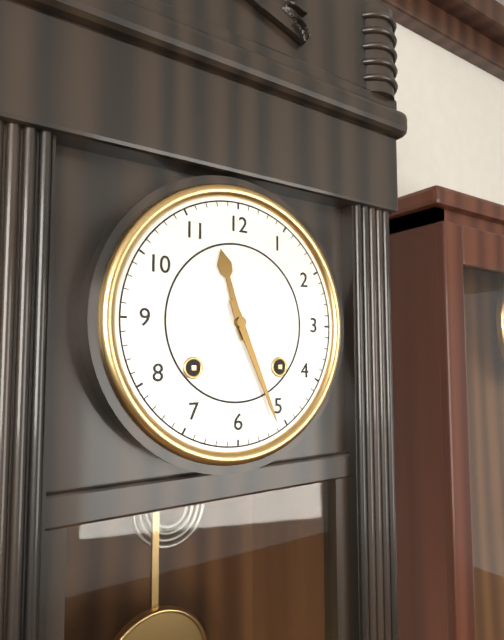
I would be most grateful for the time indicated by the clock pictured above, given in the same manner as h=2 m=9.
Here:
h=11 m=26
